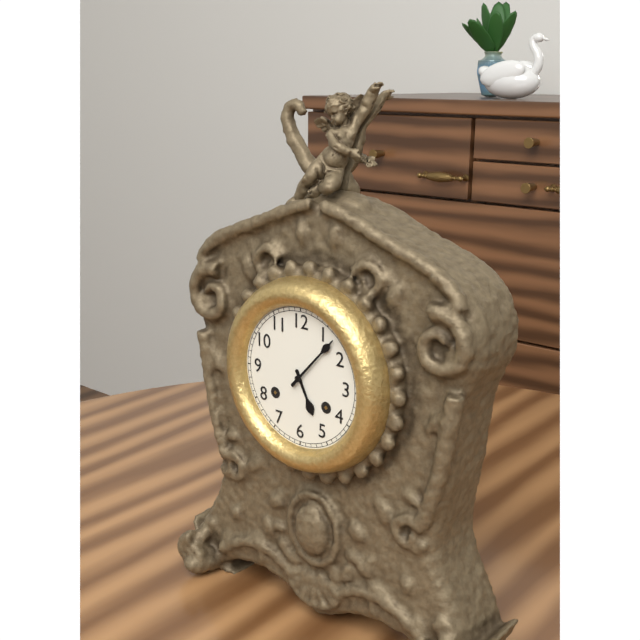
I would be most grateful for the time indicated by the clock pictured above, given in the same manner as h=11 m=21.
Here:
h=5 m=7
